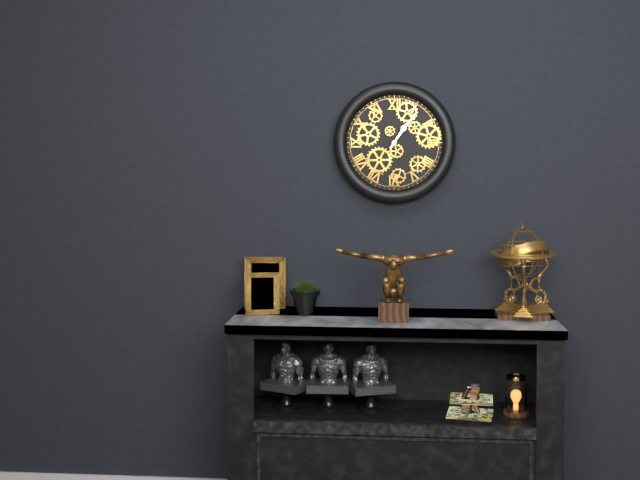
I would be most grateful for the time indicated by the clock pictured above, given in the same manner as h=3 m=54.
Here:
h=1 m=6
